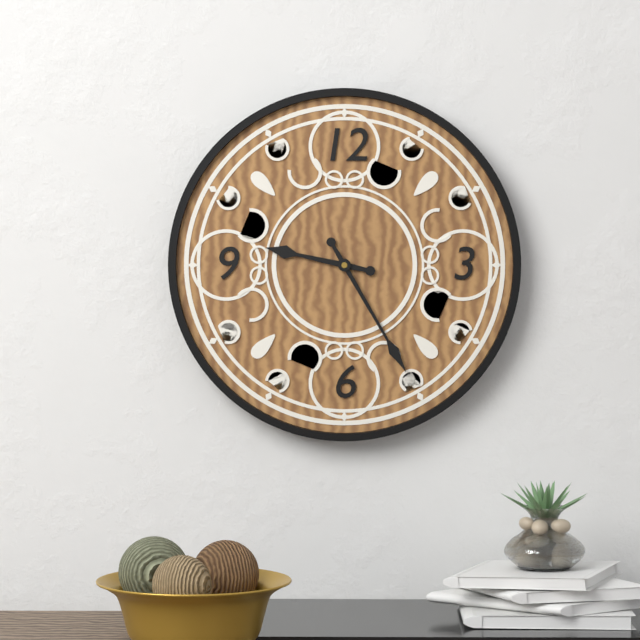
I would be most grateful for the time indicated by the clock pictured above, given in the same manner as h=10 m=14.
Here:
h=9 m=25
